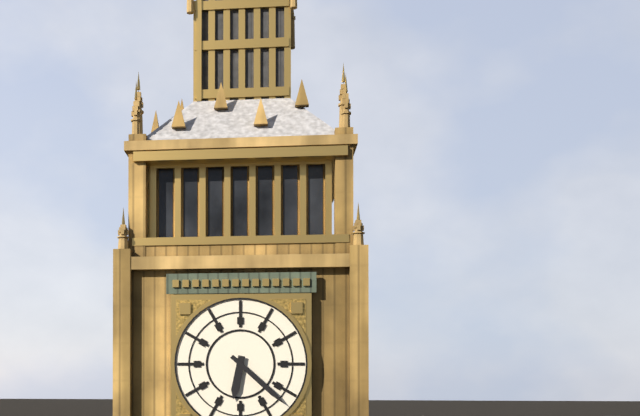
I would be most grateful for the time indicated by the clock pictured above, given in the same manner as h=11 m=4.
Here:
h=6 m=22
